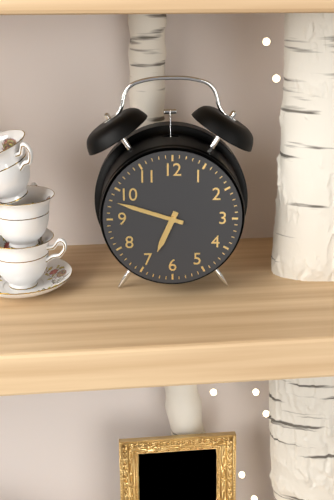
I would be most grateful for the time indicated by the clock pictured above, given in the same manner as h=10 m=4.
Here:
h=6 m=48
